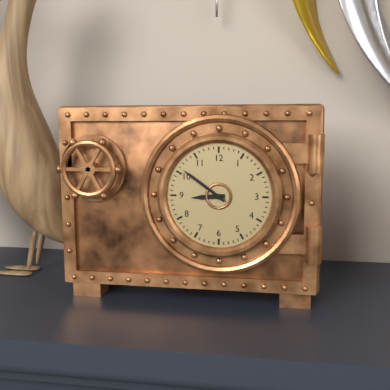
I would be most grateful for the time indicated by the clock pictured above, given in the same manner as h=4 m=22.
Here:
h=8 m=51
